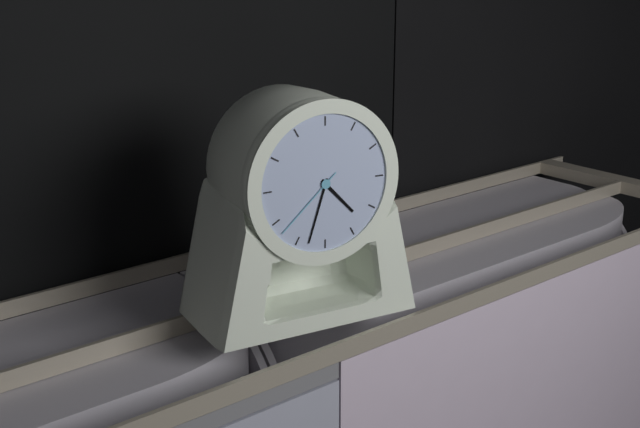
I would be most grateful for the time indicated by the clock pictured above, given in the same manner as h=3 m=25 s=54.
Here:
h=4 m=33 s=38
